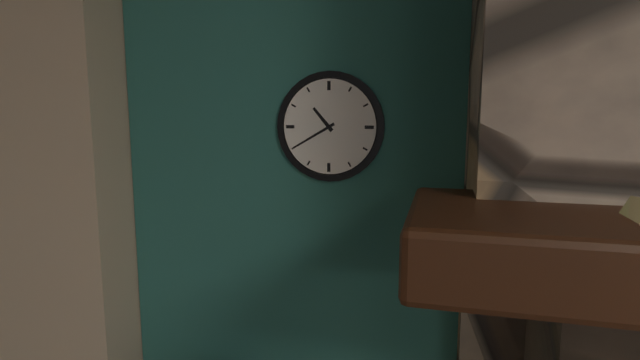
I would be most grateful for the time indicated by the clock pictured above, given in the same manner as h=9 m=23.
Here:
h=10 m=40
